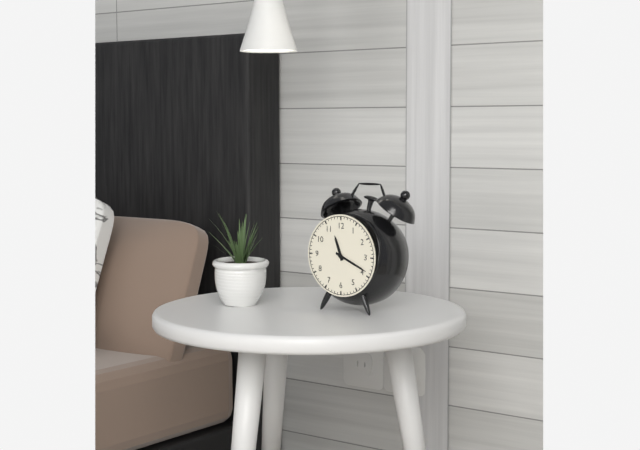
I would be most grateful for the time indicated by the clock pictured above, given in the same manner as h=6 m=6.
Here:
h=11 m=19
